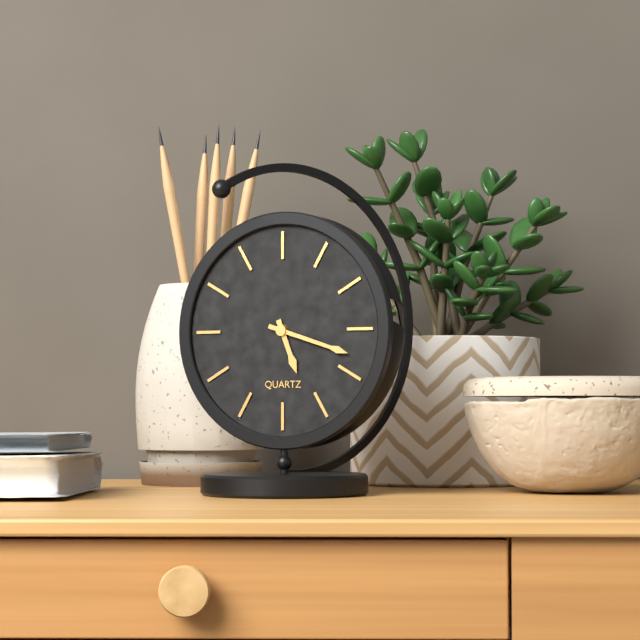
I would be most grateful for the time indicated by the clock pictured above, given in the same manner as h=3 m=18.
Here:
h=5 m=18
